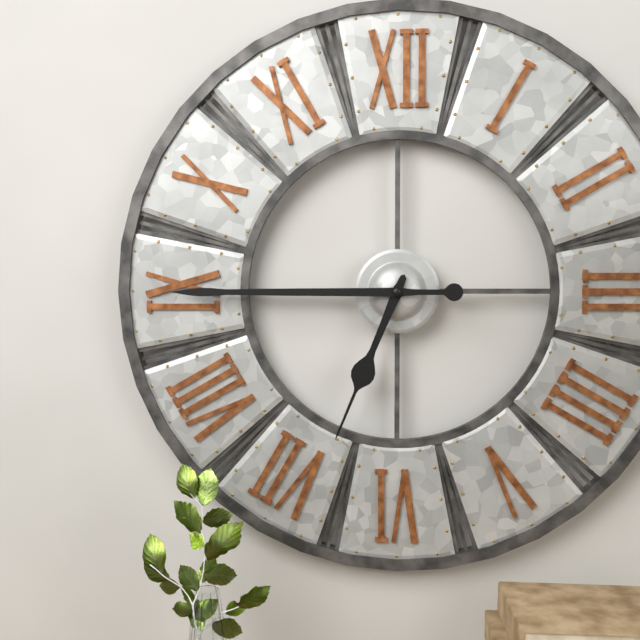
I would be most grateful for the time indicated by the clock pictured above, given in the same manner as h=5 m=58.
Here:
h=6 m=45
